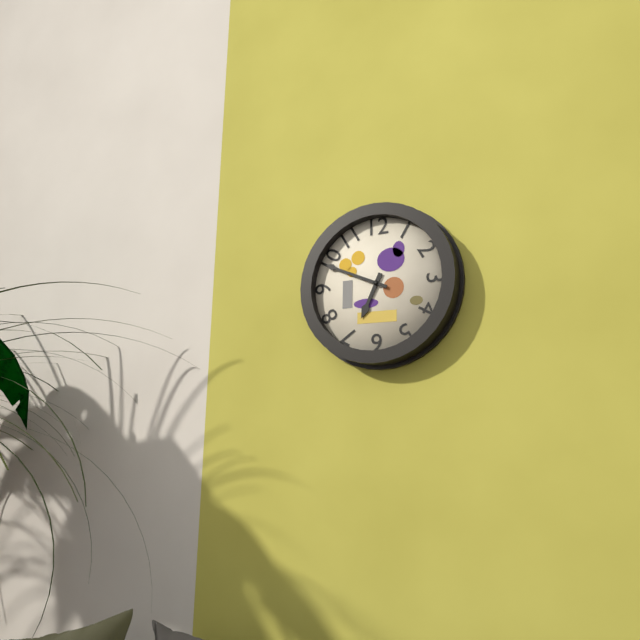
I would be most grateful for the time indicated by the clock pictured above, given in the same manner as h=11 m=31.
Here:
h=6 m=49
